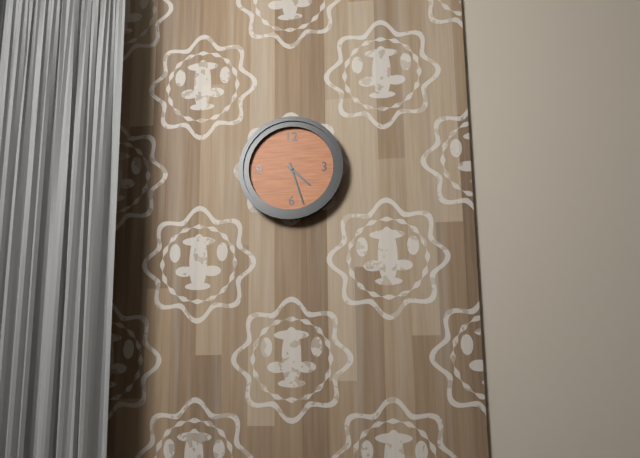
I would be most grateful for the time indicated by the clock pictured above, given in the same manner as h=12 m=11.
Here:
h=4 m=27
